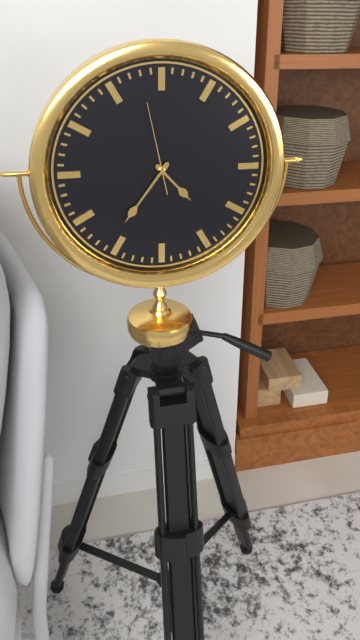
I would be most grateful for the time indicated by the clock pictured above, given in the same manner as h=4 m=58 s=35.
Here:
h=4 m=36 s=58
